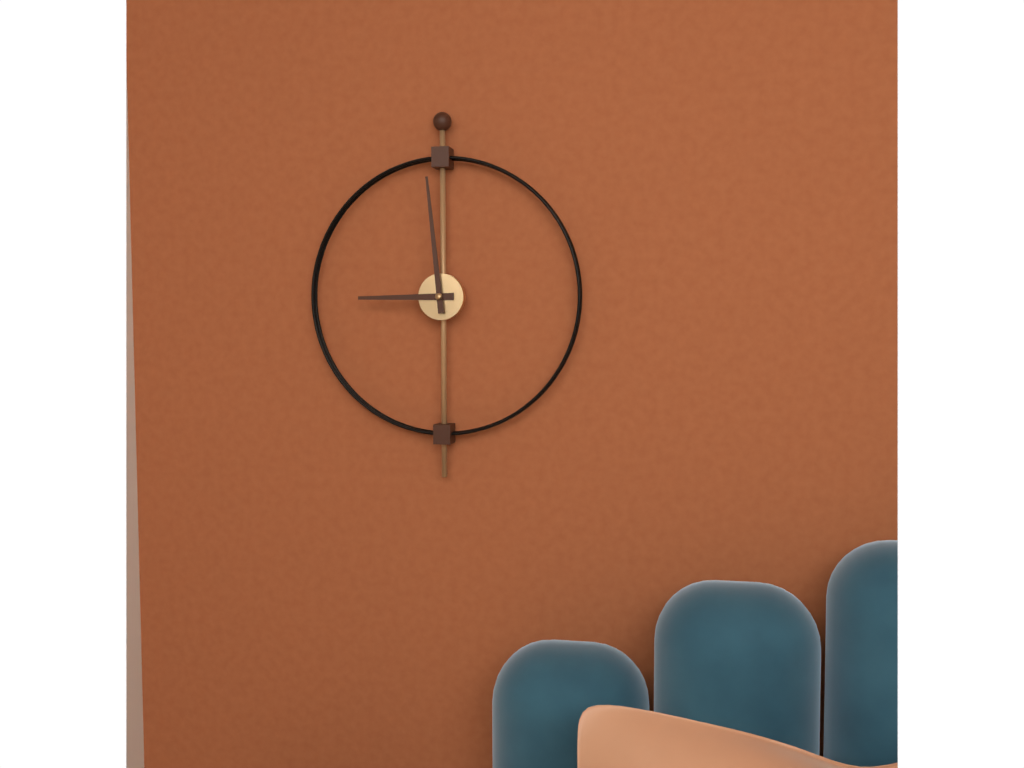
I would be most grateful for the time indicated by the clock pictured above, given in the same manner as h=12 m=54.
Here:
h=8 m=59
